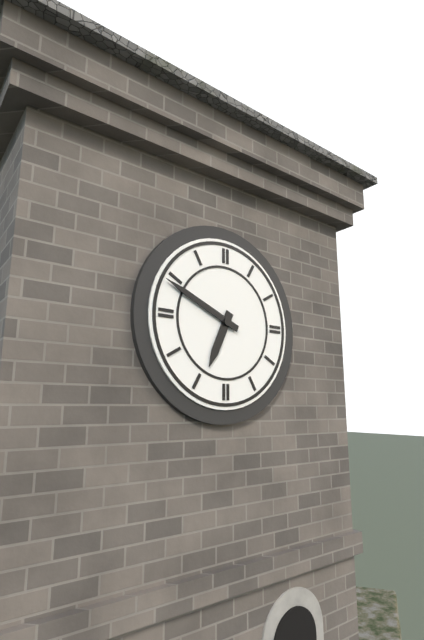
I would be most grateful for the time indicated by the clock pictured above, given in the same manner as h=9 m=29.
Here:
h=6 m=49
